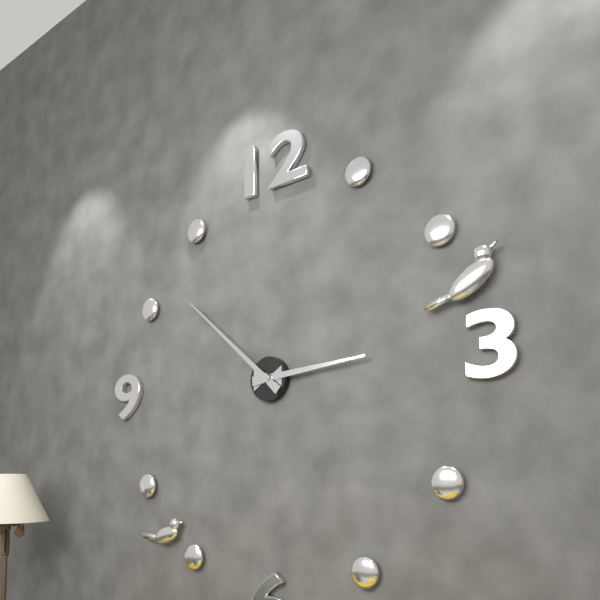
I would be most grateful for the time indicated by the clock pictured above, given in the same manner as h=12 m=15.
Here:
h=2 m=52
